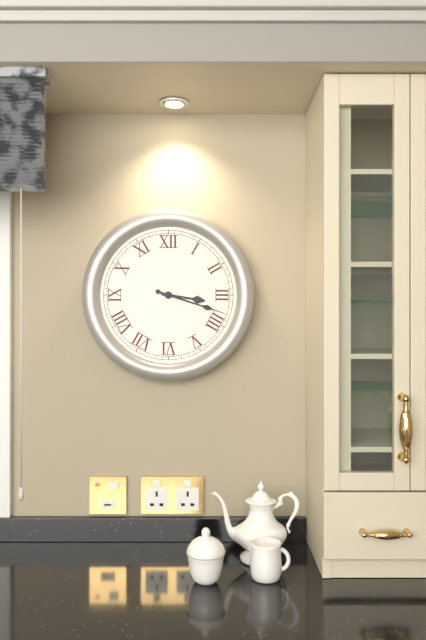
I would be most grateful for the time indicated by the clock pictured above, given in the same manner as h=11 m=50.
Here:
h=3 m=18
